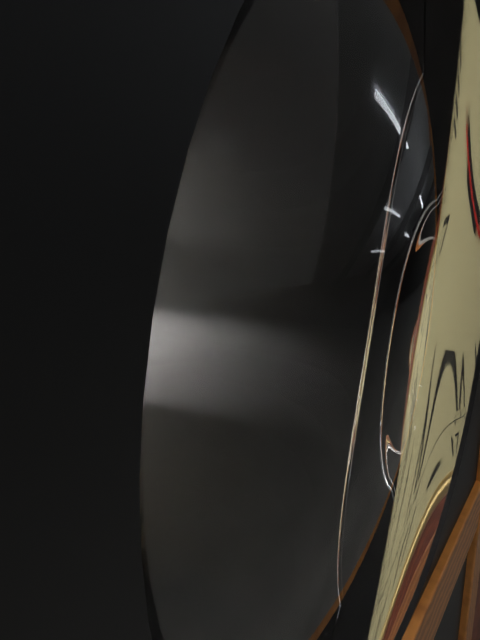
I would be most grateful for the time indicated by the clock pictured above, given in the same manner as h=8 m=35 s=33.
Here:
h=9 m=44 s=46
